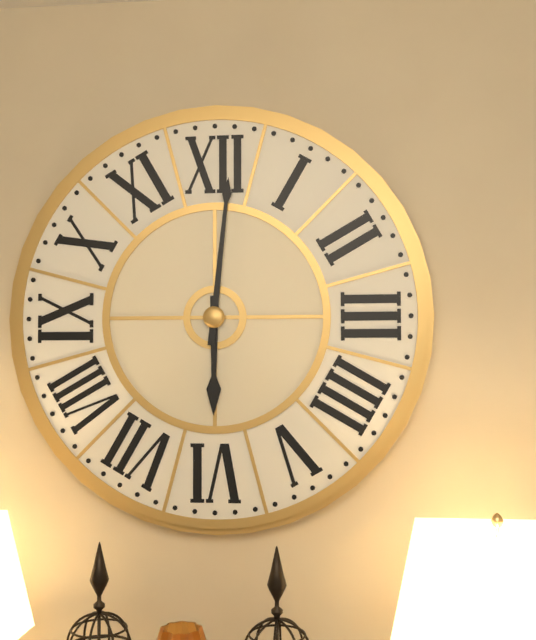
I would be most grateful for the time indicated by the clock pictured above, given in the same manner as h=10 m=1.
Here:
h=6 m=1
